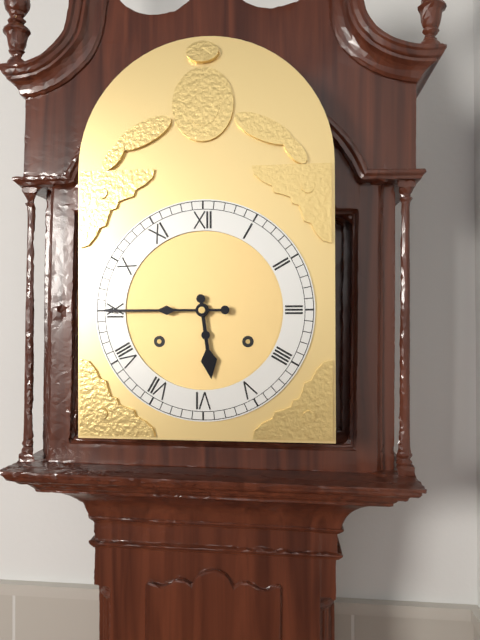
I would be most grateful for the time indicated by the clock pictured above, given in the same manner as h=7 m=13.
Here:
h=5 m=45
